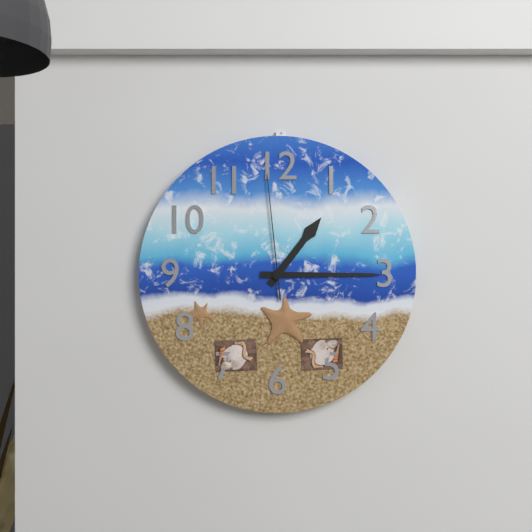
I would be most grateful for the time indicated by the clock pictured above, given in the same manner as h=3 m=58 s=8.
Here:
h=1 m=15 s=59
